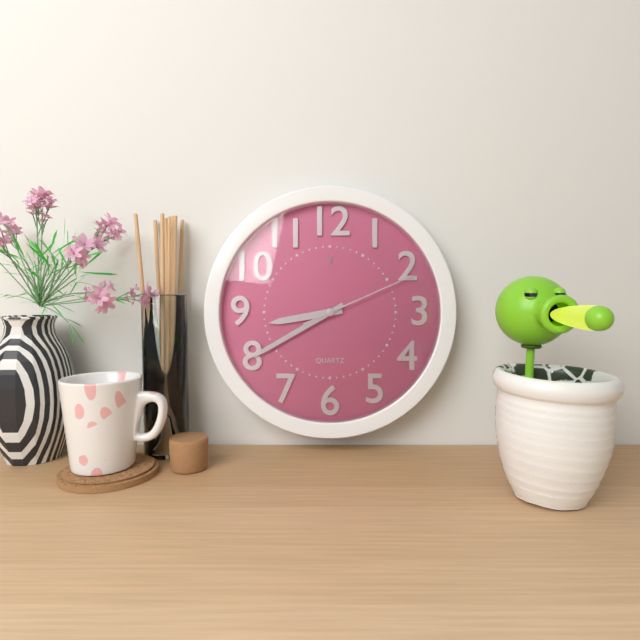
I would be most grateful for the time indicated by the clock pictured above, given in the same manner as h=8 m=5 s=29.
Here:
h=8 m=40 s=11
